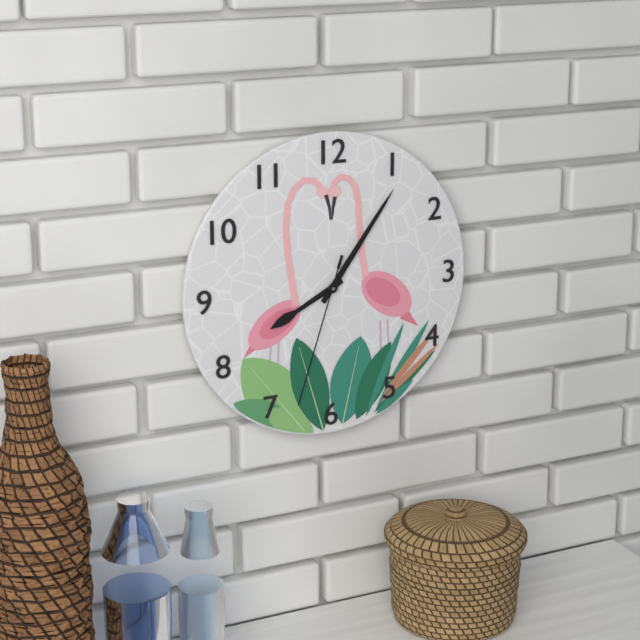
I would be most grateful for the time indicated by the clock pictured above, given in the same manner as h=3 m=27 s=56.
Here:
h=8 m=6 s=33
